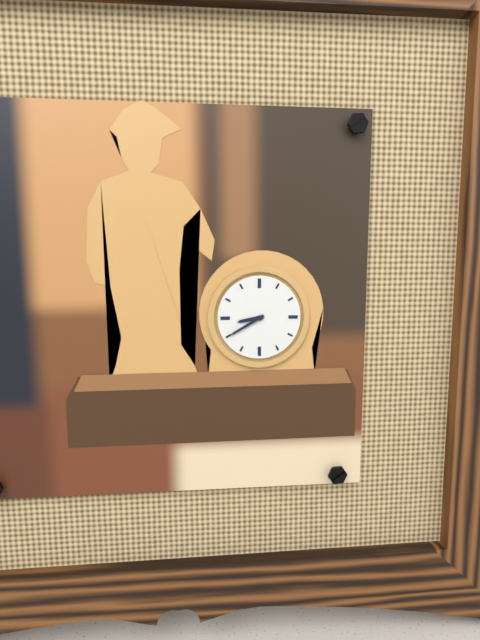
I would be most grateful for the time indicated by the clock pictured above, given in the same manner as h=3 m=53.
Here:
h=8 m=40
